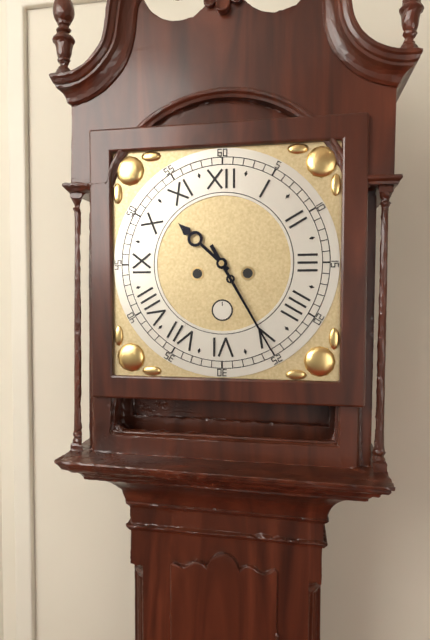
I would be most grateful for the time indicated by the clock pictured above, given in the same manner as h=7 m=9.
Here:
h=10 m=25
